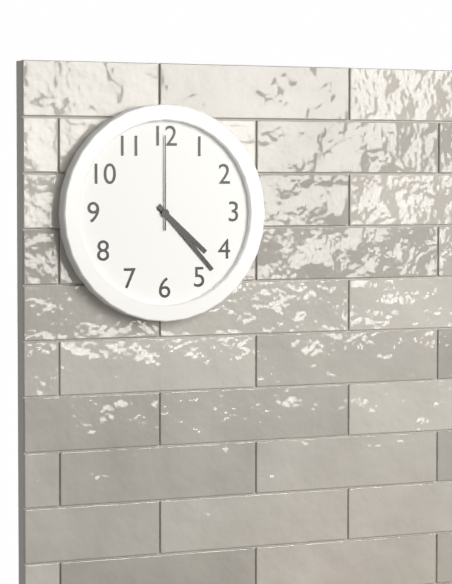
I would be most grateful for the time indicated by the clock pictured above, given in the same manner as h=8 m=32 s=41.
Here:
h=4 m=23 s=0
